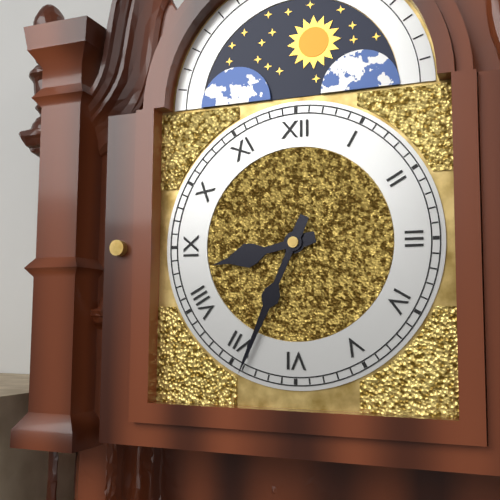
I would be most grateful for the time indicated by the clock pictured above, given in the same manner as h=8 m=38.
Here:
h=8 m=34
